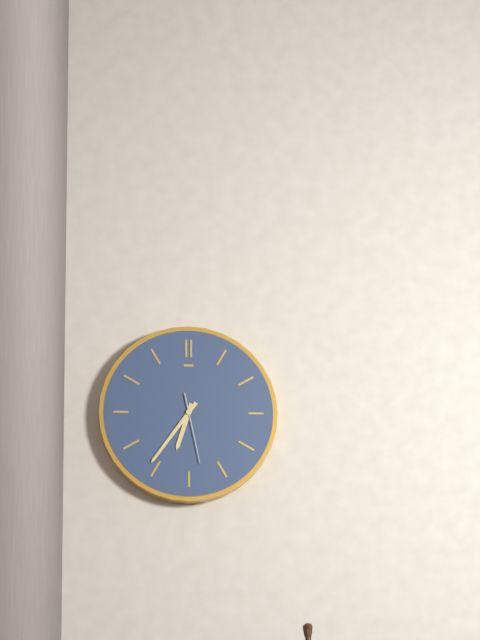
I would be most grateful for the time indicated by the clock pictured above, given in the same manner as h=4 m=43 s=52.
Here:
h=6 m=36 s=28
